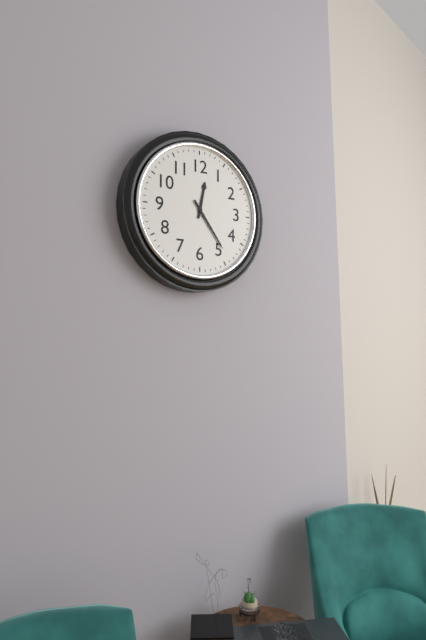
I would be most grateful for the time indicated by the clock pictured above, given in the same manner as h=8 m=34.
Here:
h=12 m=24
